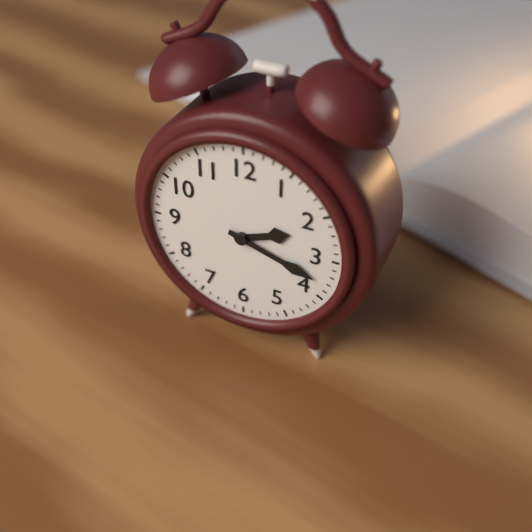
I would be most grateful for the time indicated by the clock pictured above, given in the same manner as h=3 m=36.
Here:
h=2 m=18
